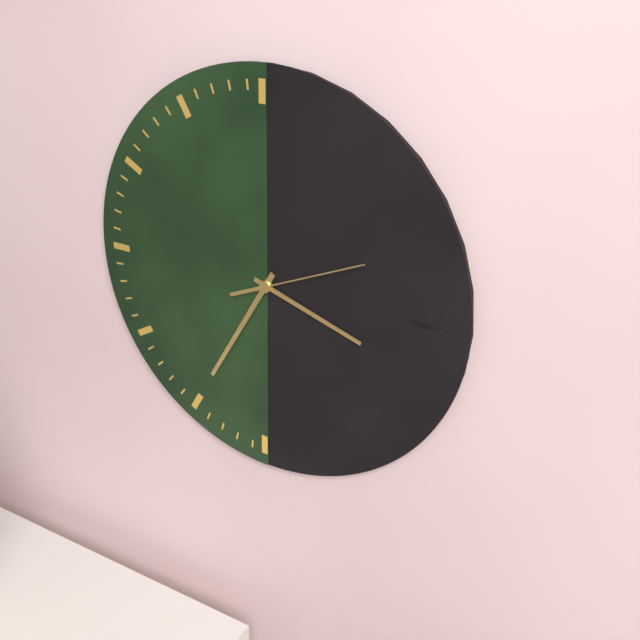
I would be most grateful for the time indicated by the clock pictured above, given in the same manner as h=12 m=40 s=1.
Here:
h=3 m=35 s=11
